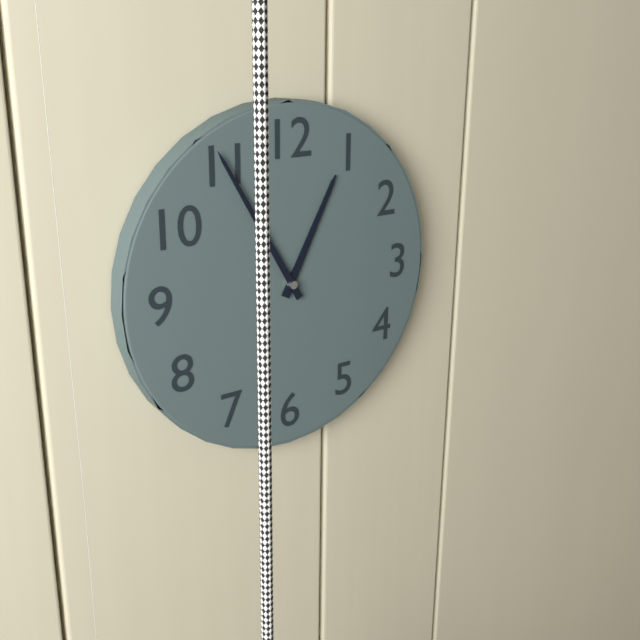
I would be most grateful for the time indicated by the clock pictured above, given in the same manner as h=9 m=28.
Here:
h=12 m=55
